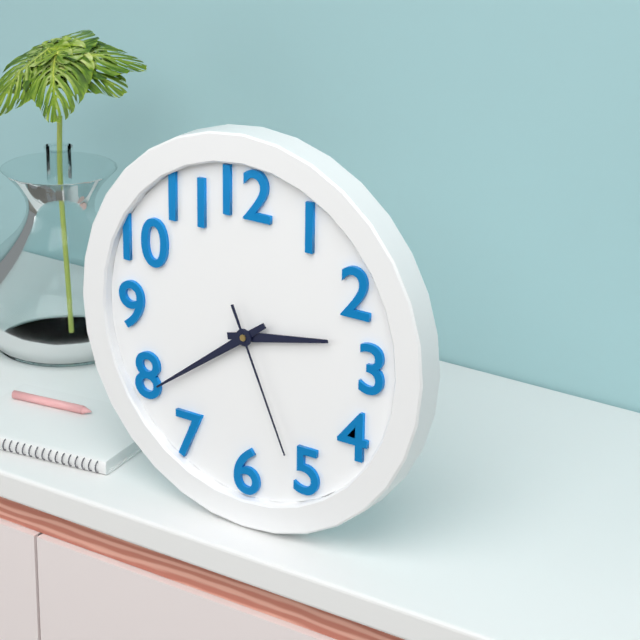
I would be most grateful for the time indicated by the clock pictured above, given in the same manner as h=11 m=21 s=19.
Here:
h=2 m=39 s=26
